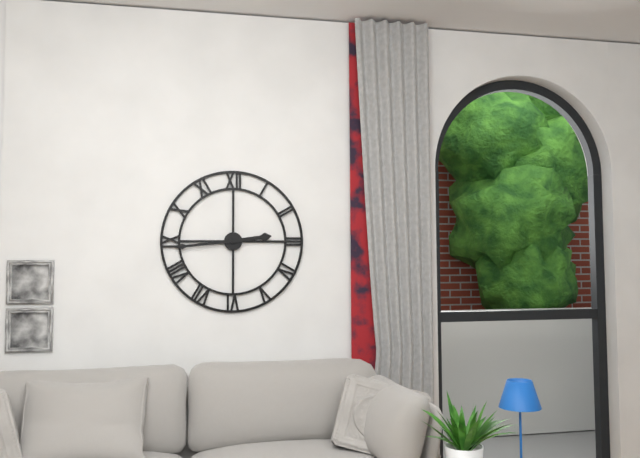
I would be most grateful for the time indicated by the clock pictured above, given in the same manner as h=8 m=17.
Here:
h=2 m=44
